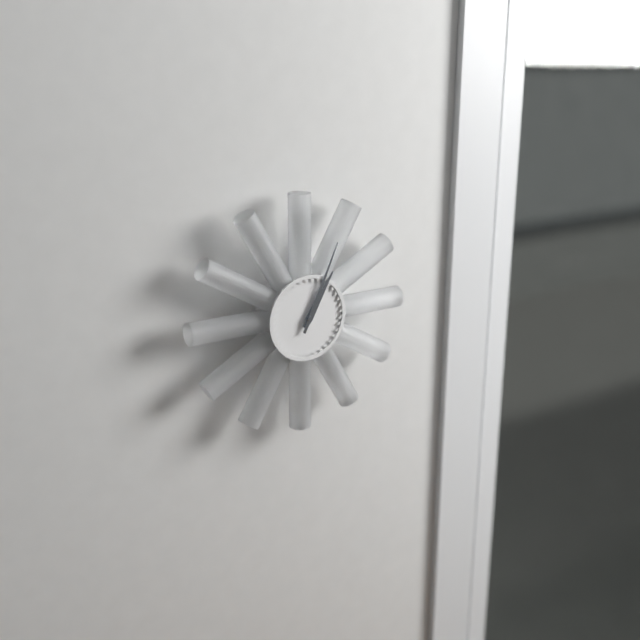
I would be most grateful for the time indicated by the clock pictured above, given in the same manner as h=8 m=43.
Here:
h=1 m=4
